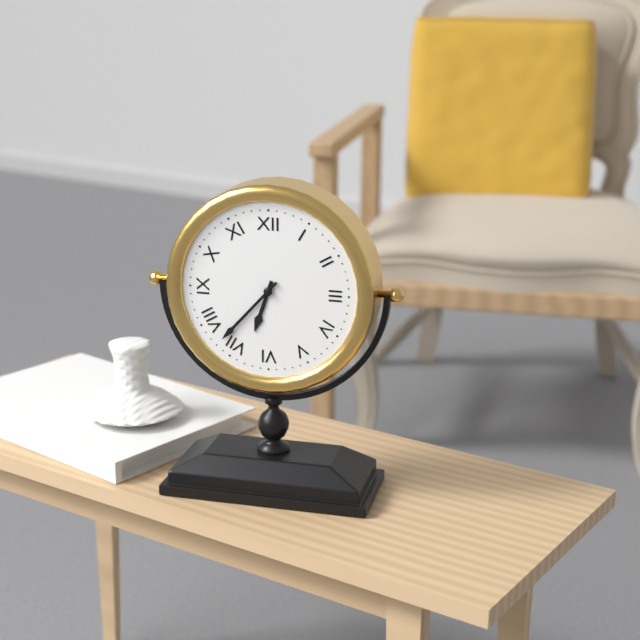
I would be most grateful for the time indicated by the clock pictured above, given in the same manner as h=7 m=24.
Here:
h=6 m=37
